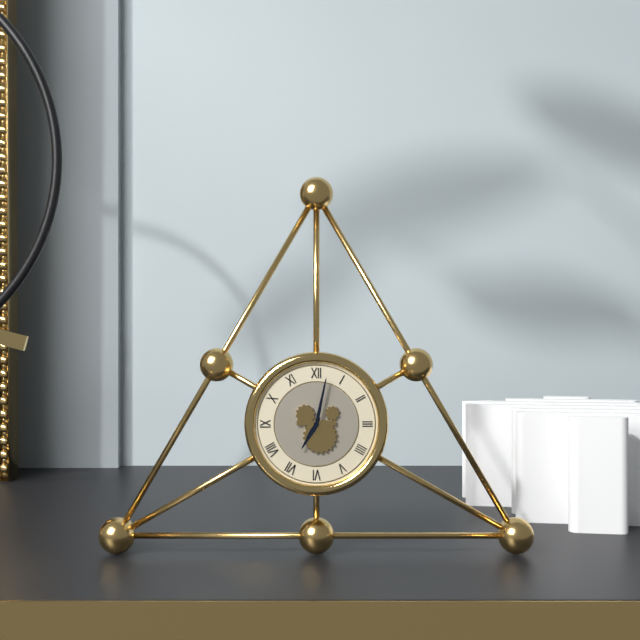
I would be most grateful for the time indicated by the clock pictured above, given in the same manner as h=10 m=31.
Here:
h=7 m=2
